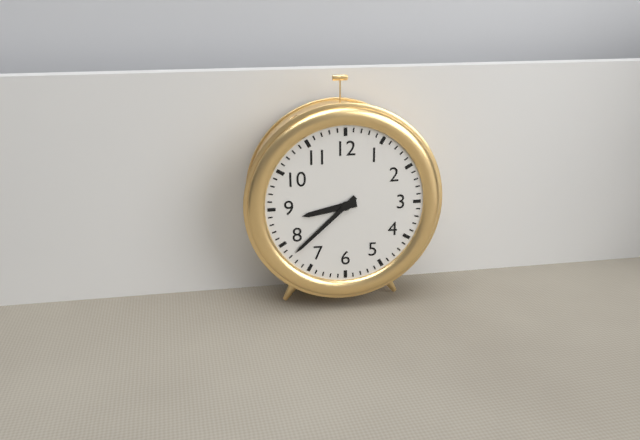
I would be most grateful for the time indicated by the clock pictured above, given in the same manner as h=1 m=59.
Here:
h=8 m=38
